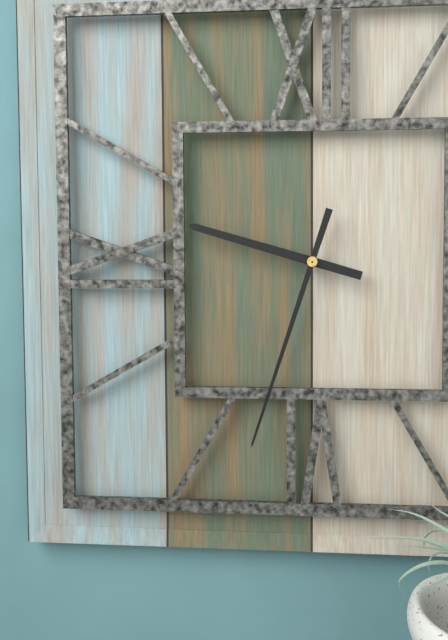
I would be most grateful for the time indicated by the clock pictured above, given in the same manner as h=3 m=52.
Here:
h=9 m=33
